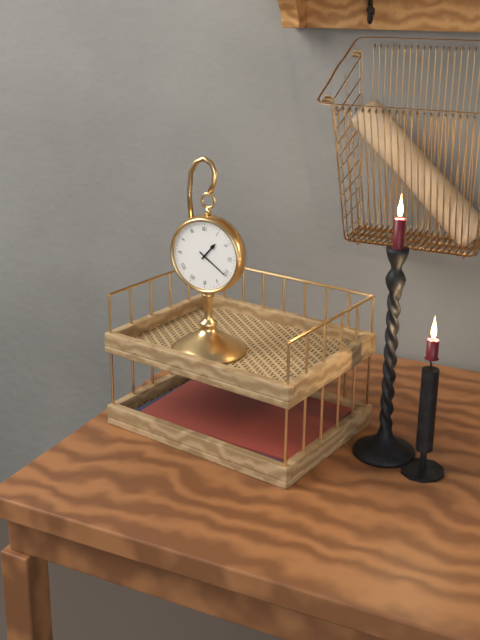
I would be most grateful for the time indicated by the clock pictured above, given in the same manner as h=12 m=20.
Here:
h=1 m=21
